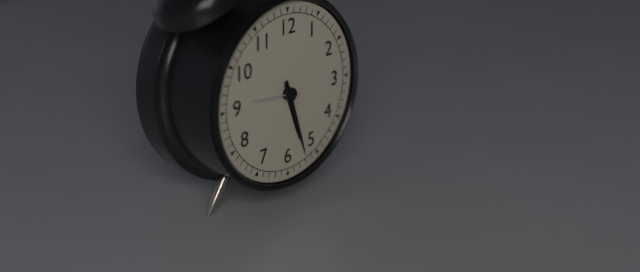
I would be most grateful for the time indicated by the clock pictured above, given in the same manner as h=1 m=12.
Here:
h=5 m=27
